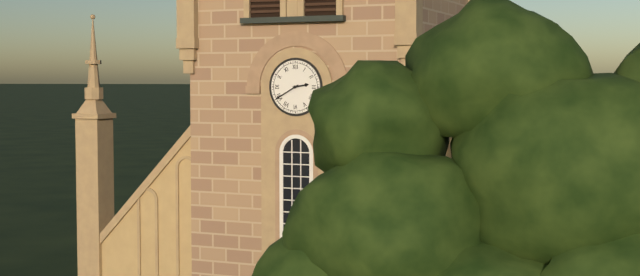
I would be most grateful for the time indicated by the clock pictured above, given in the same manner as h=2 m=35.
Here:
h=2 m=40
